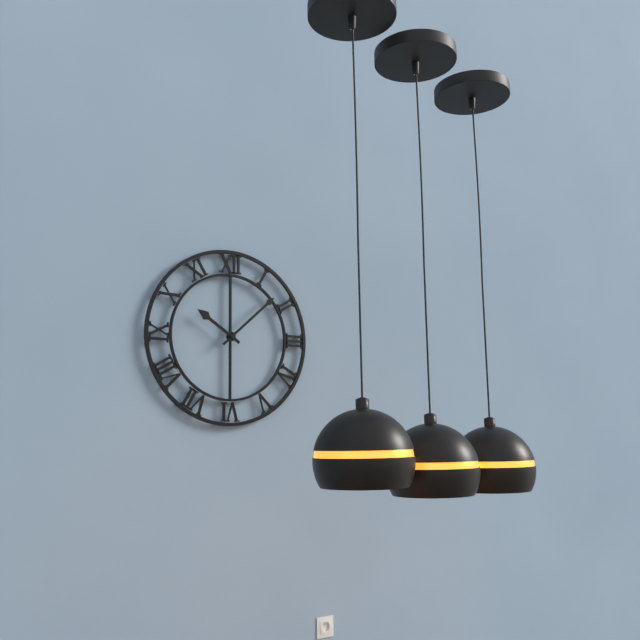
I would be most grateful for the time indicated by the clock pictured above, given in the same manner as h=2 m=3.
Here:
h=10 m=8
